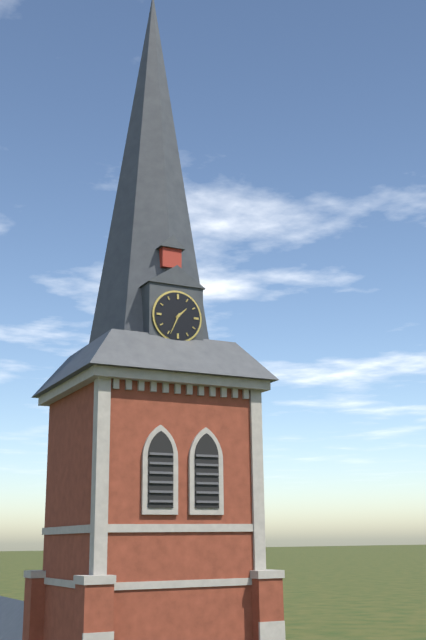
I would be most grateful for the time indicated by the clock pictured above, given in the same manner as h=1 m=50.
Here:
h=1 m=34
